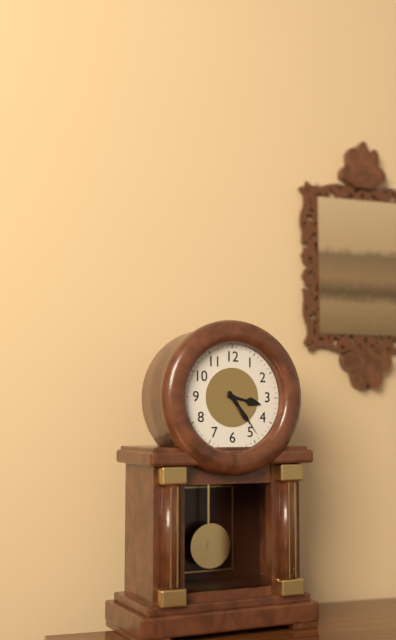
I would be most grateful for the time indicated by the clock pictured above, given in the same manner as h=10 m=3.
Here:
h=3 m=24
